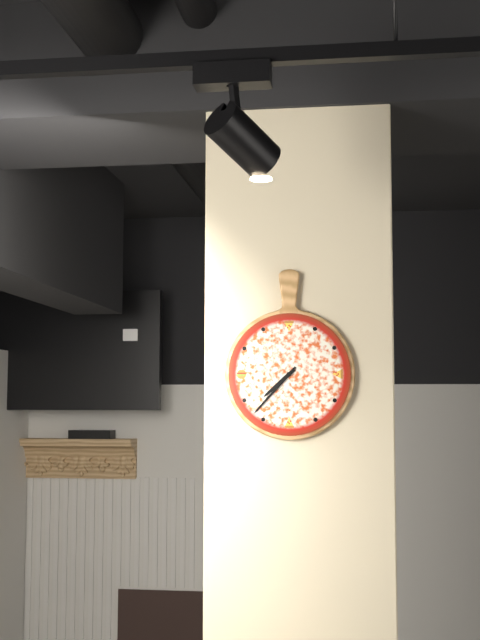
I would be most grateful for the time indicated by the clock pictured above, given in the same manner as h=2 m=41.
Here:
h=7 m=37
